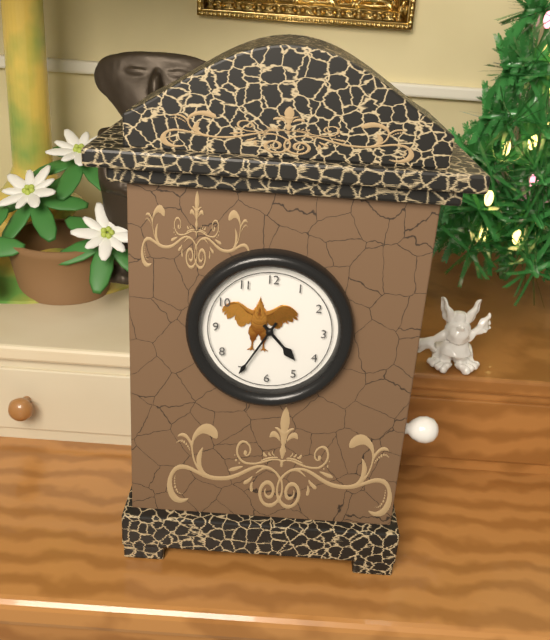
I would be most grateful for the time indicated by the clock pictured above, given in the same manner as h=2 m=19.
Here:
h=4 m=35
